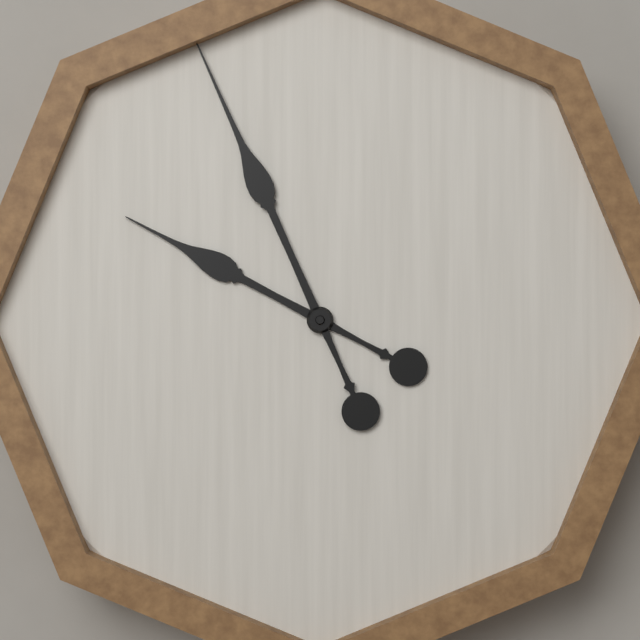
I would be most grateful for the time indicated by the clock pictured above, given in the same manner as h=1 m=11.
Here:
h=9 m=56
